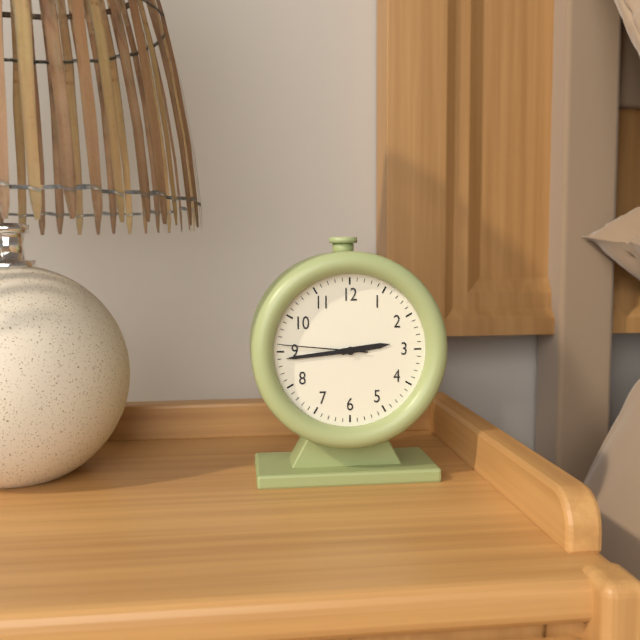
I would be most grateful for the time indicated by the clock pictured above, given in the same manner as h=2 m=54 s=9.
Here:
h=2 m=44 s=46
